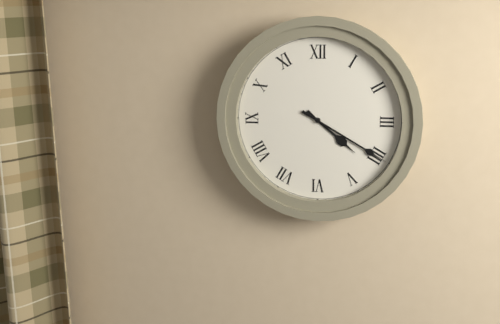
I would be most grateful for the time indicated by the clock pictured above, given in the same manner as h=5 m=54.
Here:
h=4 m=20
